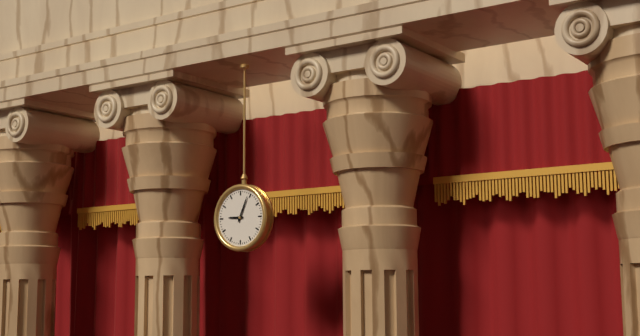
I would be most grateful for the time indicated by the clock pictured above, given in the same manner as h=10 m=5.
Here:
h=9 m=4
